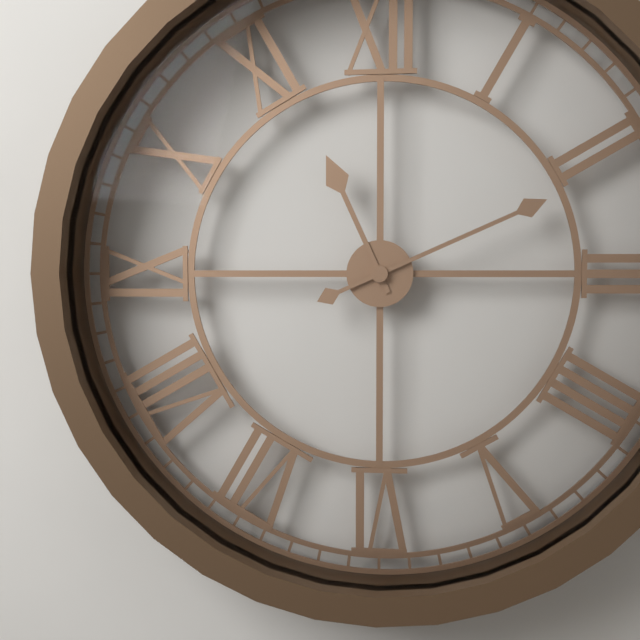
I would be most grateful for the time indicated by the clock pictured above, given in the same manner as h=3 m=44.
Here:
h=11 m=11
